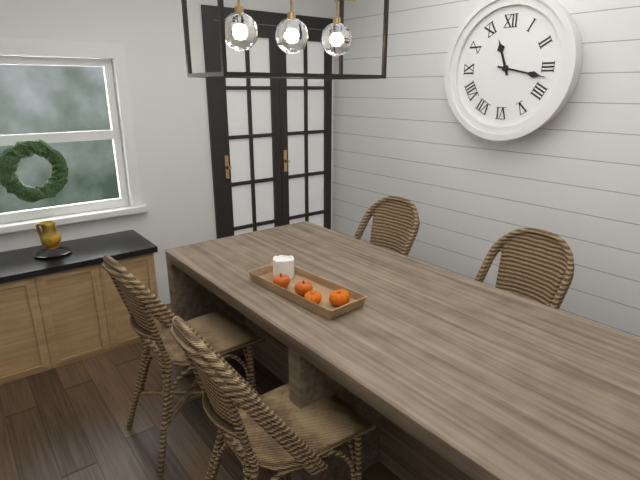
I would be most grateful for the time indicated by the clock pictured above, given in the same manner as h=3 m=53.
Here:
h=11 m=17
